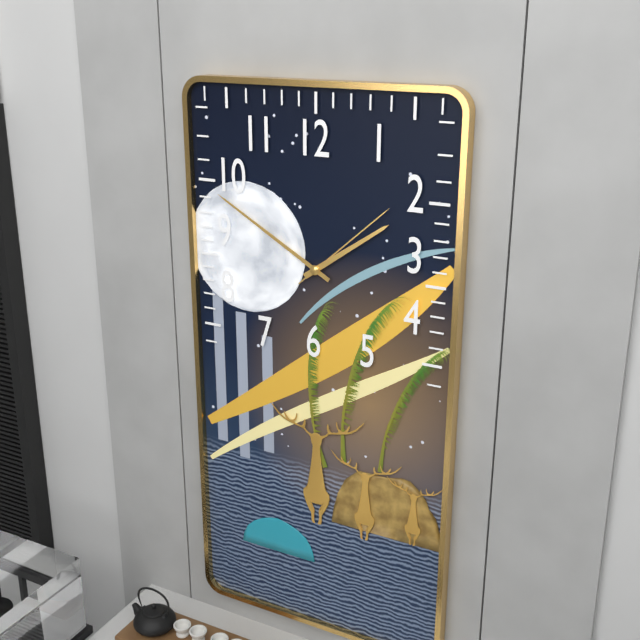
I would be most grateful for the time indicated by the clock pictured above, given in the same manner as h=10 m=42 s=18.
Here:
h=1 m=50 s=8
